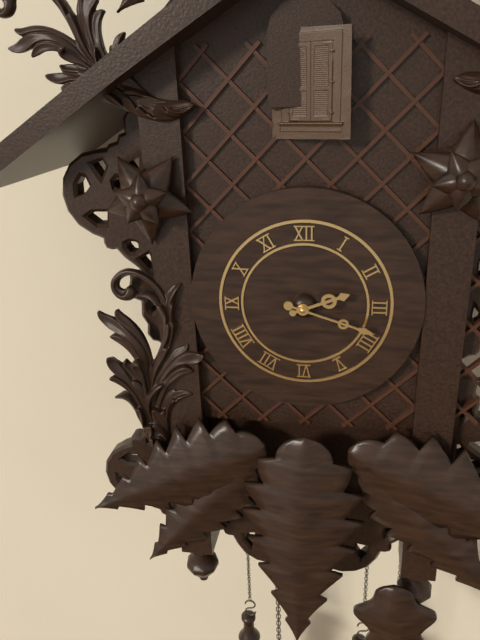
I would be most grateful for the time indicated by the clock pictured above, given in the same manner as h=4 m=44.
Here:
h=2 m=18
